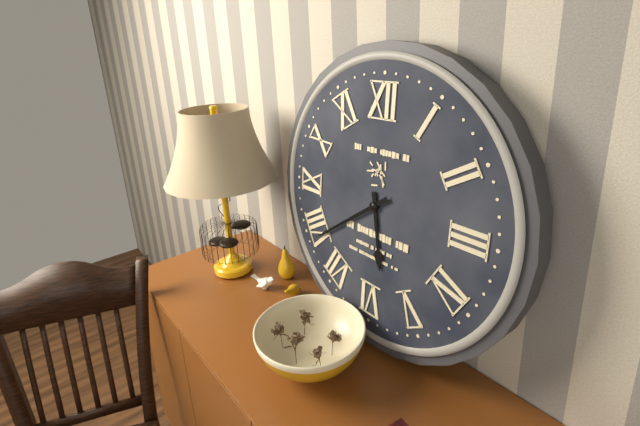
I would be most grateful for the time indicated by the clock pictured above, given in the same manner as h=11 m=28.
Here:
h=5 m=39
